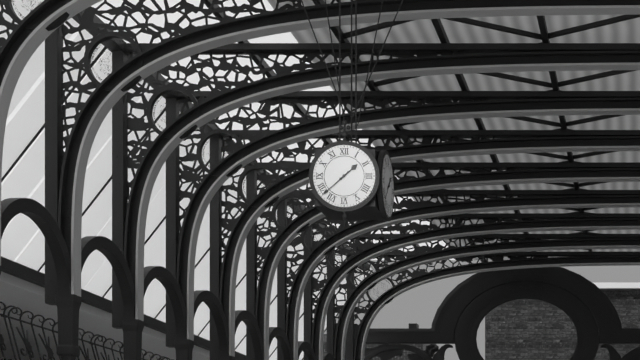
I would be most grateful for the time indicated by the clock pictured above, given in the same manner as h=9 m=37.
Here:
h=1 m=38
